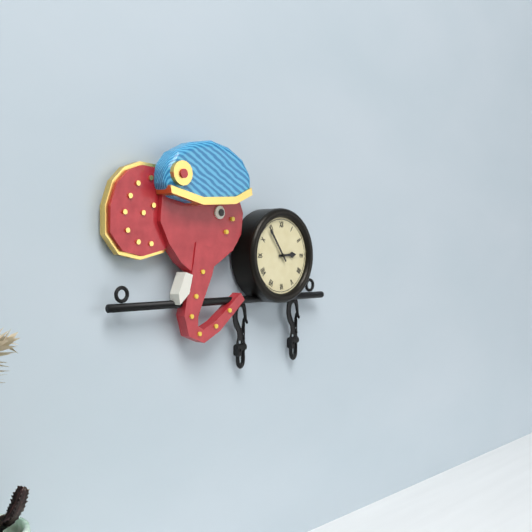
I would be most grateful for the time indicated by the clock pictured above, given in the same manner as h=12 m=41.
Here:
h=2 m=54
